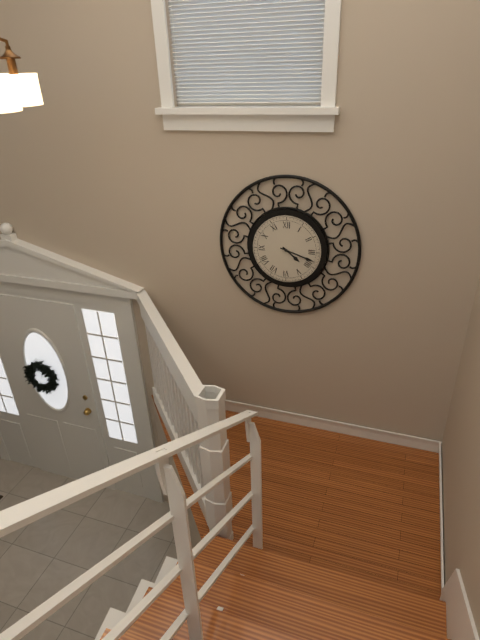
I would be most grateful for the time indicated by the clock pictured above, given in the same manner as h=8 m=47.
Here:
h=4 m=18
